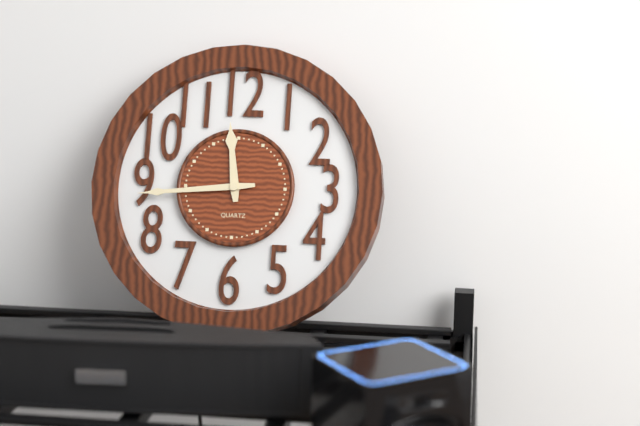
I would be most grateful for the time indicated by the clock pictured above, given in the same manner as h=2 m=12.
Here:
h=11 m=44
